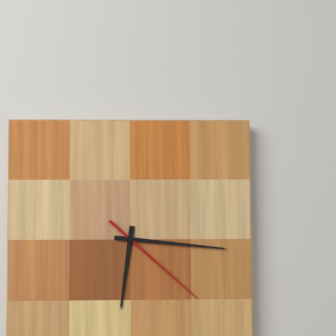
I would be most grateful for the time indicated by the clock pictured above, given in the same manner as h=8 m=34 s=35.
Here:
h=6 m=16 s=22
